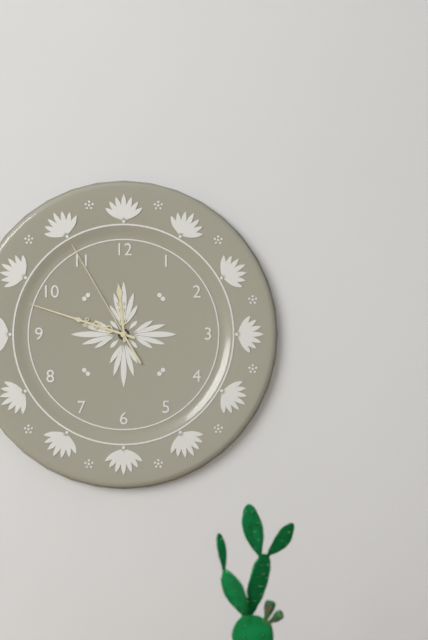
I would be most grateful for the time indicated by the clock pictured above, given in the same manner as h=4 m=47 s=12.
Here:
h=11 m=48 s=55
